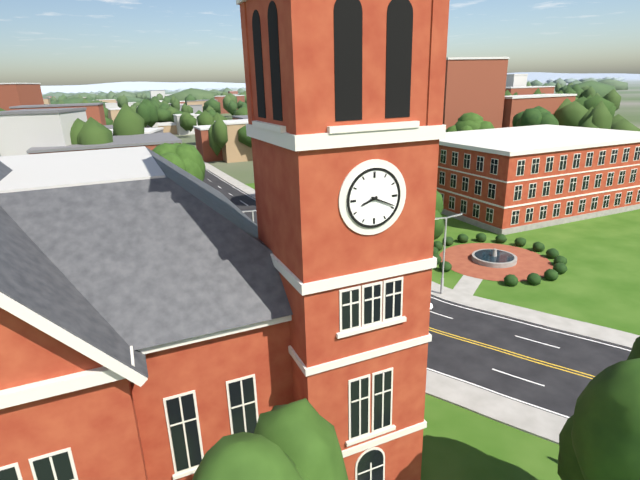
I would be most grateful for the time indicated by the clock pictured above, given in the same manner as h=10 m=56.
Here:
h=8 m=19
